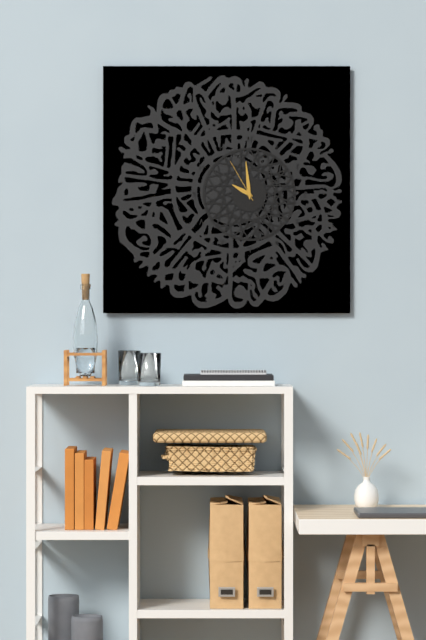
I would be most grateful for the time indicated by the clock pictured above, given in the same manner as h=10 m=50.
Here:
h=9 m=59
